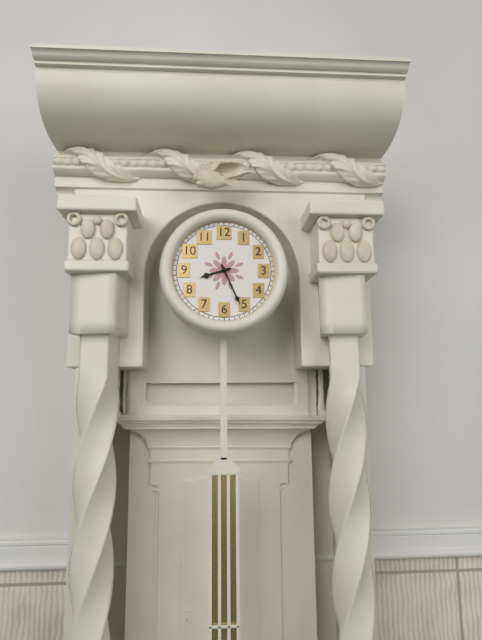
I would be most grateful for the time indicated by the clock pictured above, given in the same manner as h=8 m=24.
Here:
h=8 m=26
